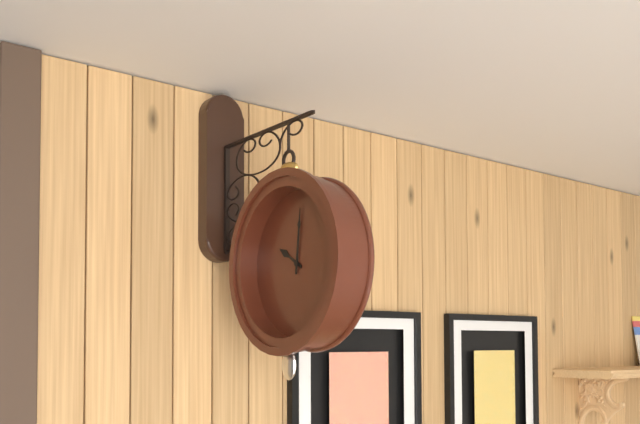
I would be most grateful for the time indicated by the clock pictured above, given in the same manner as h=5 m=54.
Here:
h=10 m=1
